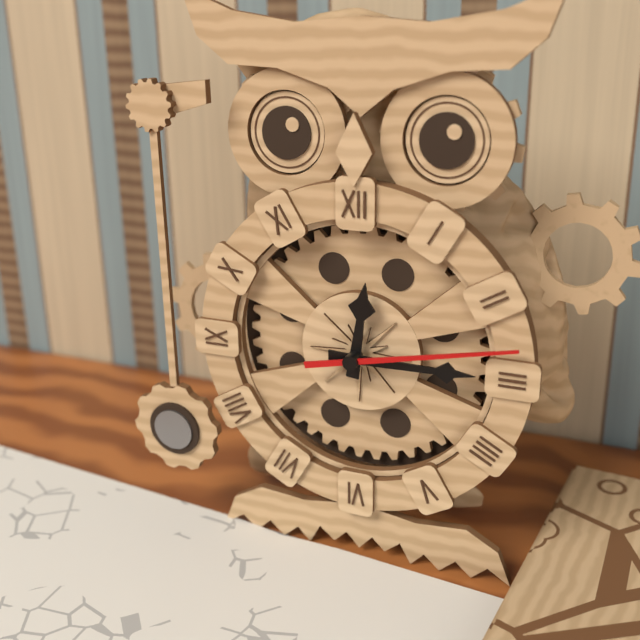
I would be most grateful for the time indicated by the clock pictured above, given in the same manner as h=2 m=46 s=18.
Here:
h=12 m=15 s=13
